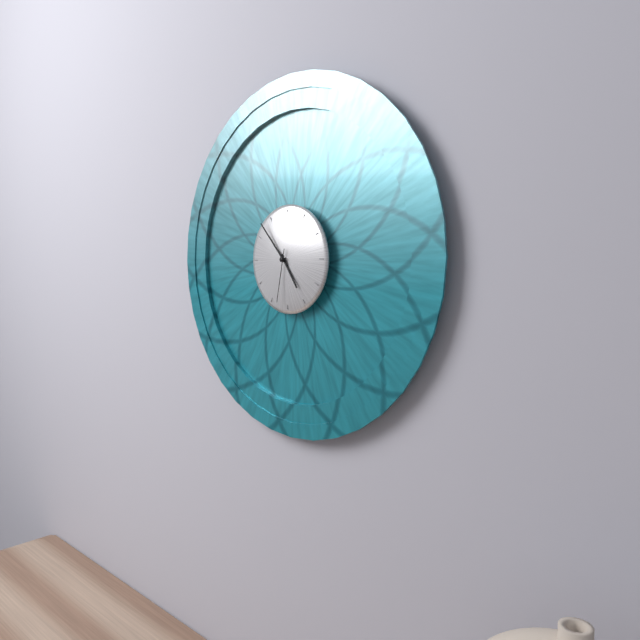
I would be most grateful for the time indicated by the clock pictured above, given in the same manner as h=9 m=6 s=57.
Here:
h=4 m=53 s=32
